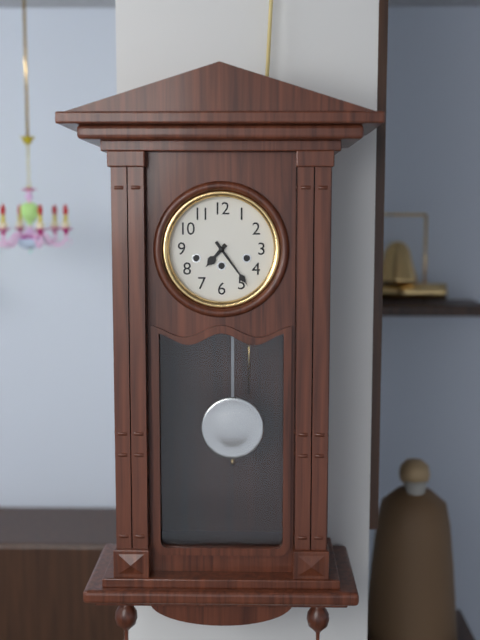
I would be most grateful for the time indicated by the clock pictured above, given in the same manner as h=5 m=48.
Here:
h=7 m=24
